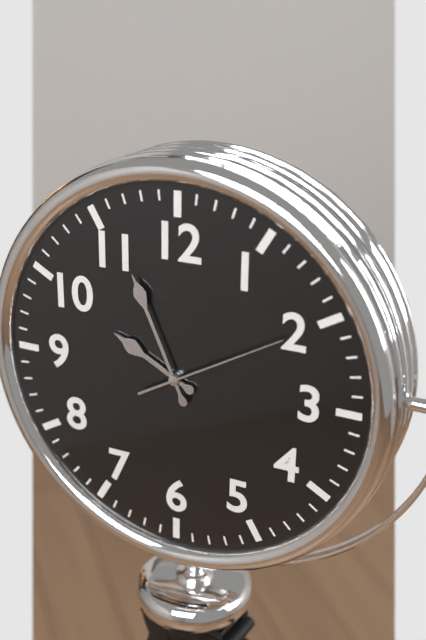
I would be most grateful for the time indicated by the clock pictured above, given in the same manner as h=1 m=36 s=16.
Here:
h=9 m=56 s=10
